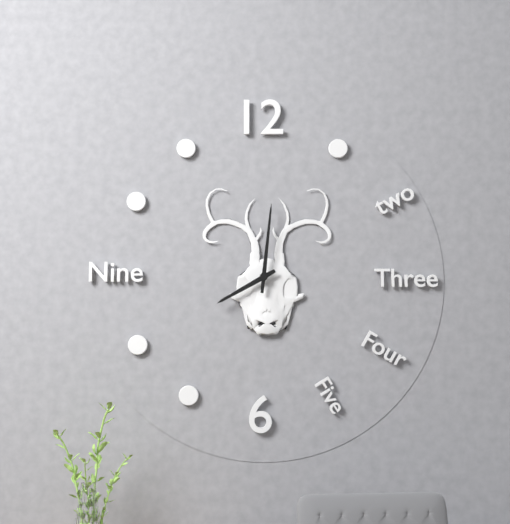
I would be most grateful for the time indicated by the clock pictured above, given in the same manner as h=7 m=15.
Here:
h=8 m=1
